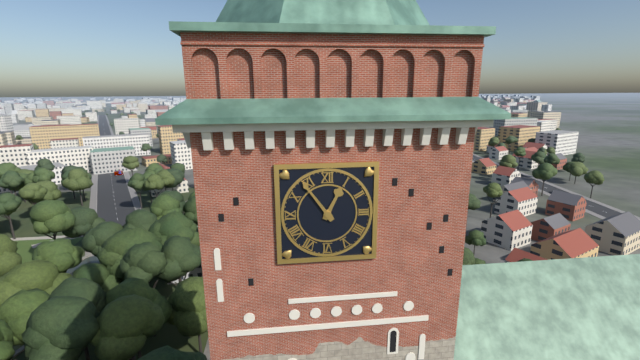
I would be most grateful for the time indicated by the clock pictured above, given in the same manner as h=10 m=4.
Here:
h=12 m=54
